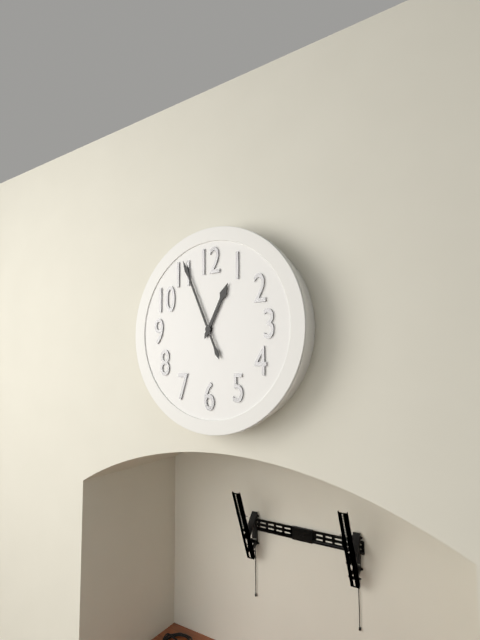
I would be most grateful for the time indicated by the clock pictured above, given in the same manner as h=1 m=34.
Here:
h=12 m=56
